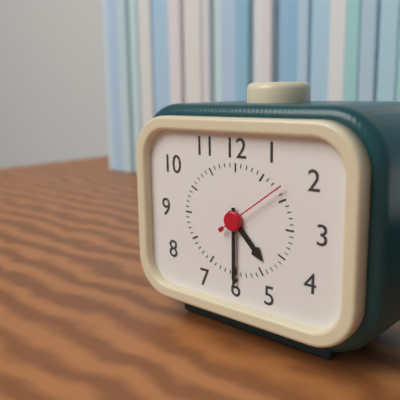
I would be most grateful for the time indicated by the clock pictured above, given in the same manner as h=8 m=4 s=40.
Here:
h=4 m=30 s=9
